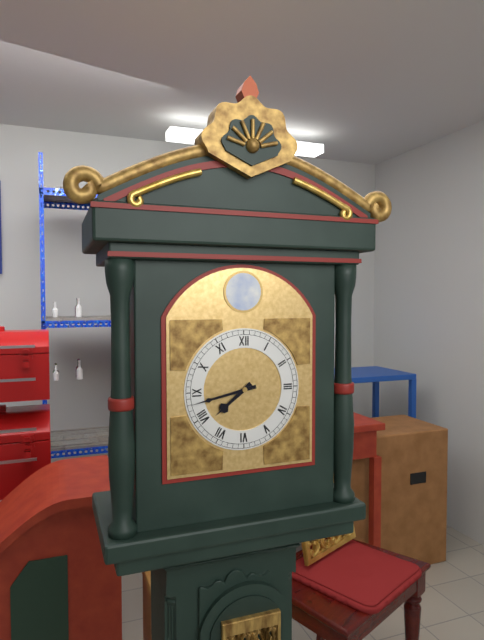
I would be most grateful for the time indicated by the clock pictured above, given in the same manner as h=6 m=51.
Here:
h=7 m=43
